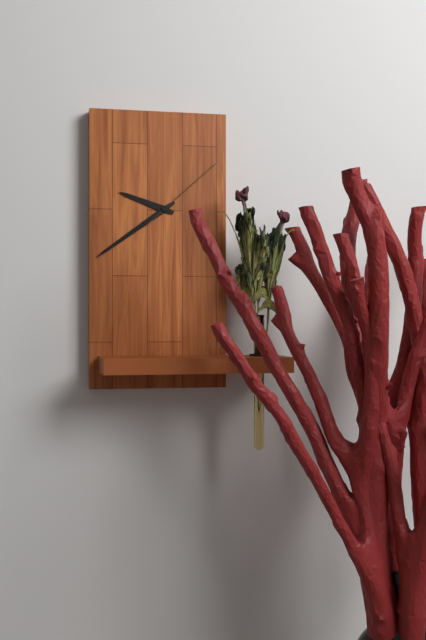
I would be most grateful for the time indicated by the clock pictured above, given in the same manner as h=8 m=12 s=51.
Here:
h=9 m=39 s=8
